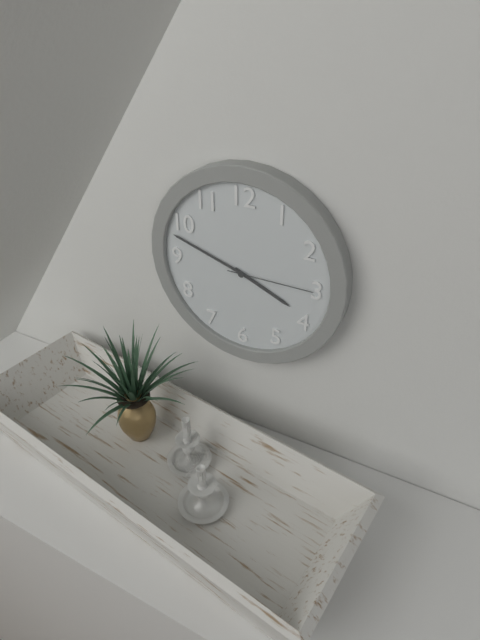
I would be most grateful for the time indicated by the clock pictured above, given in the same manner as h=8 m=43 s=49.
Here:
h=3 m=48 s=15
